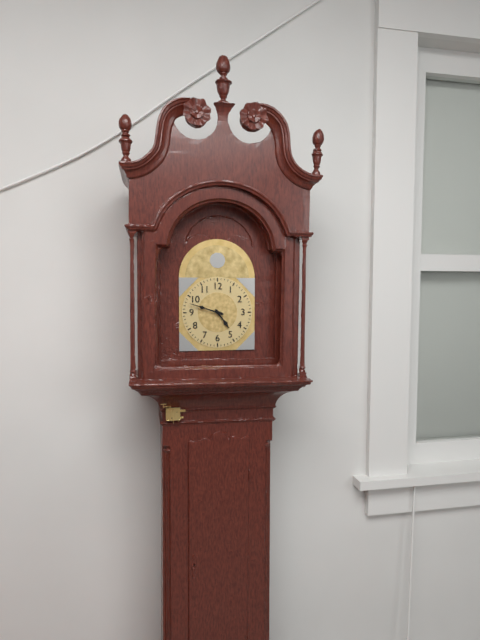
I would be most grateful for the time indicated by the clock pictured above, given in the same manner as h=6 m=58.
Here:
h=4 m=48
